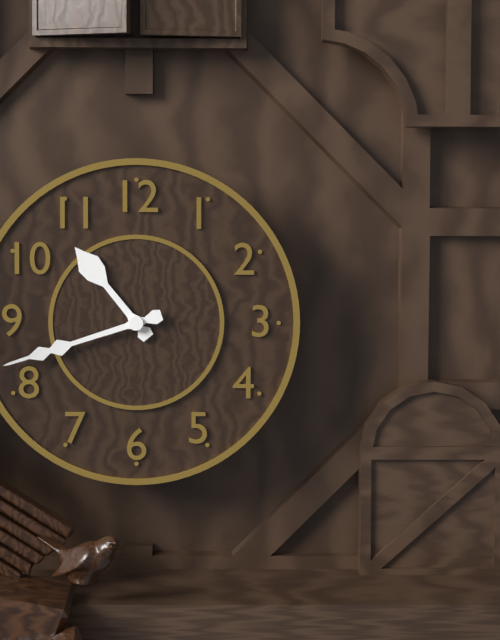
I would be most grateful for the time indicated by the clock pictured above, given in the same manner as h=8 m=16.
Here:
h=10 m=42
